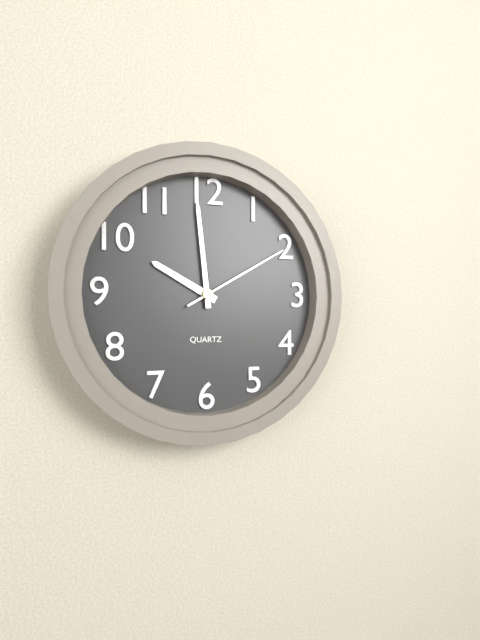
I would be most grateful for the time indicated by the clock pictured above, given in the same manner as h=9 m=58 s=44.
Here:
h=9 m=59 s=10
